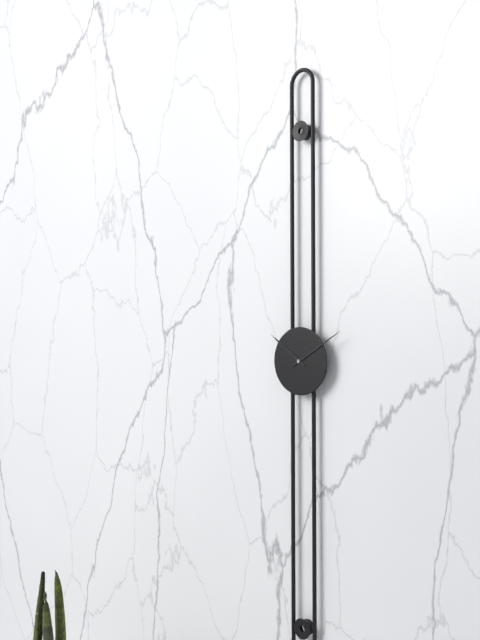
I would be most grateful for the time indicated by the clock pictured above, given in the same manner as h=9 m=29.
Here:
h=10 m=10
